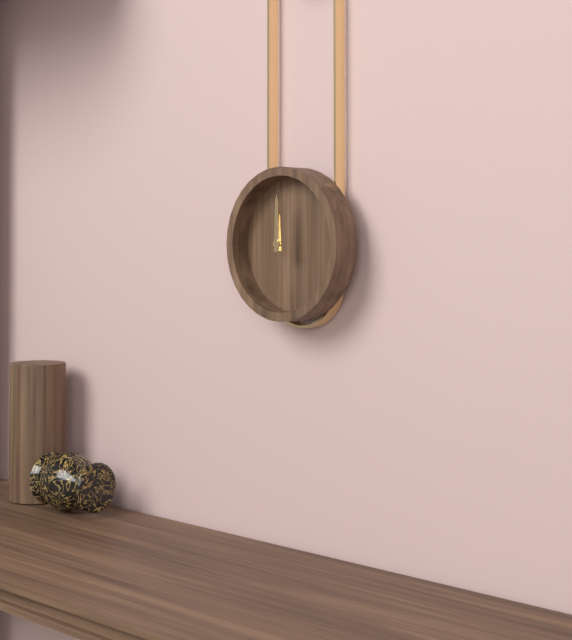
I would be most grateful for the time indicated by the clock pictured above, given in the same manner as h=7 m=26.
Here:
h=12 m=0
